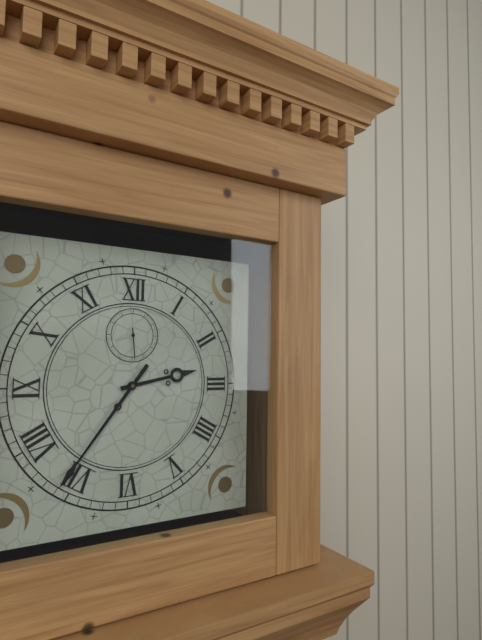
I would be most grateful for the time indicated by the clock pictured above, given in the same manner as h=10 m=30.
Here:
h=2 m=36
